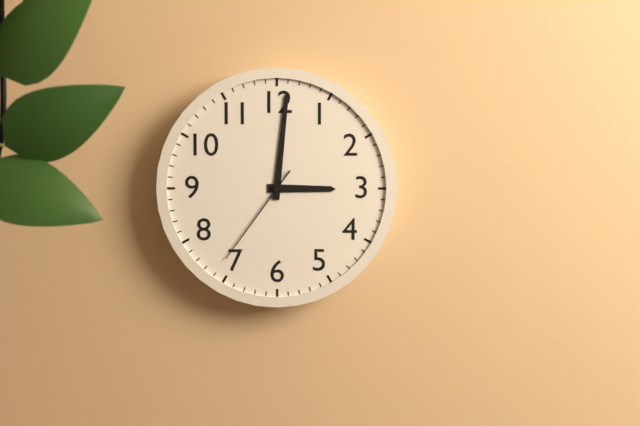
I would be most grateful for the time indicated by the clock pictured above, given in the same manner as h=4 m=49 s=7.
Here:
h=3 m=1 s=36
